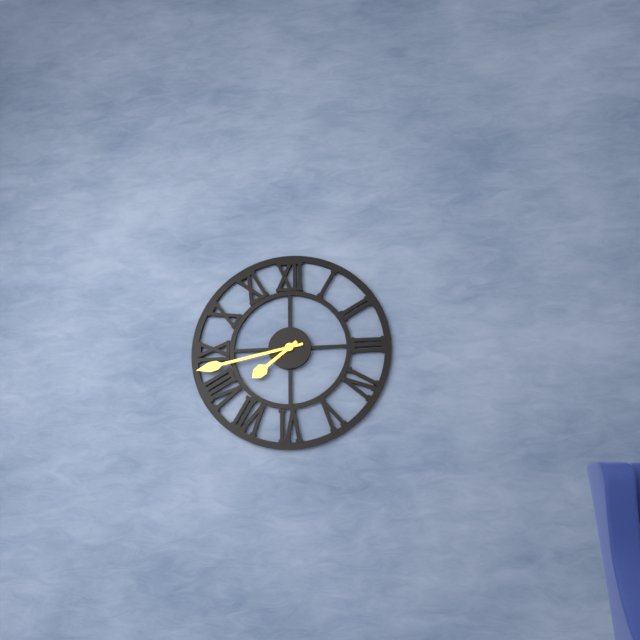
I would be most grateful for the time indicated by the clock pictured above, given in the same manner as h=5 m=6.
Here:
h=7 m=43
